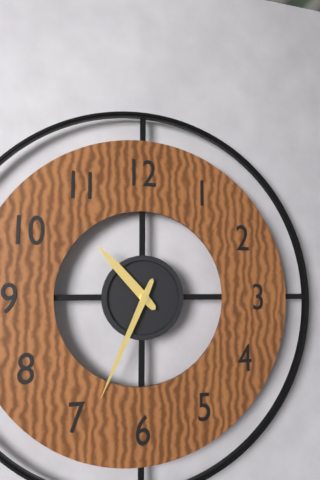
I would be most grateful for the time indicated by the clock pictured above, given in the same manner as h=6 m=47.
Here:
h=10 m=34
